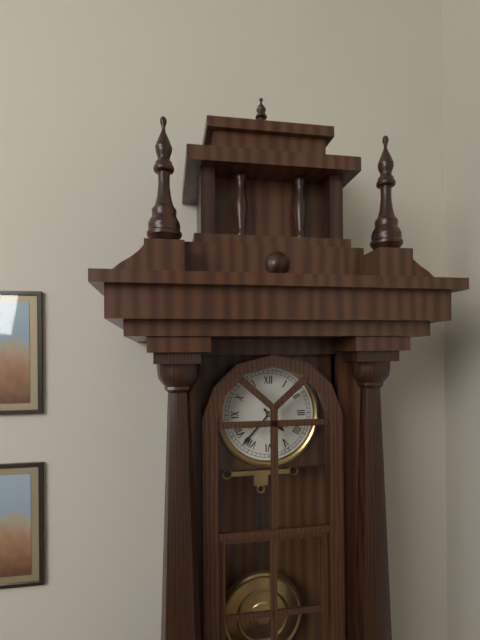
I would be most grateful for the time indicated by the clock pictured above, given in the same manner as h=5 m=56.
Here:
h=4 m=37
